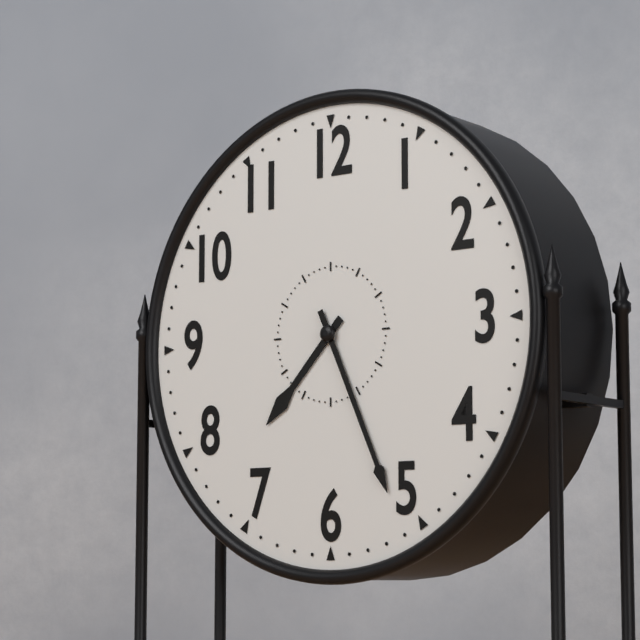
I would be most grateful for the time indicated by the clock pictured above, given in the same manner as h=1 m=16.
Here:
h=7 m=26
